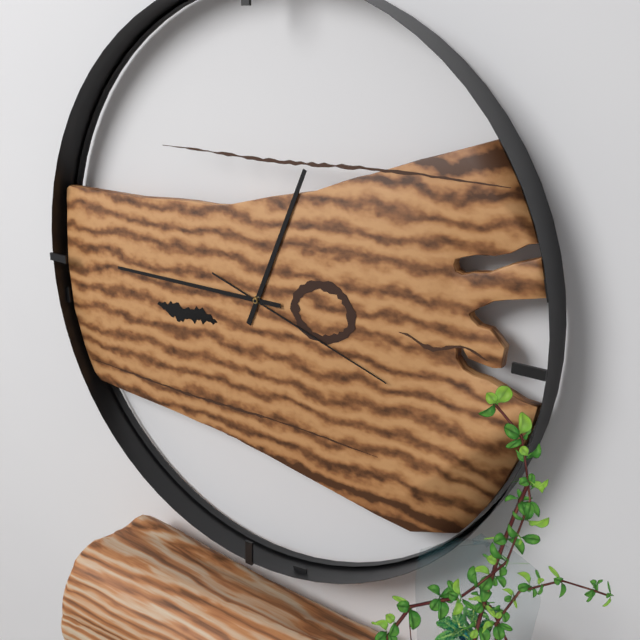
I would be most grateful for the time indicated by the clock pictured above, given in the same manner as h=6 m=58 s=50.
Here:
h=12 m=45 s=18
